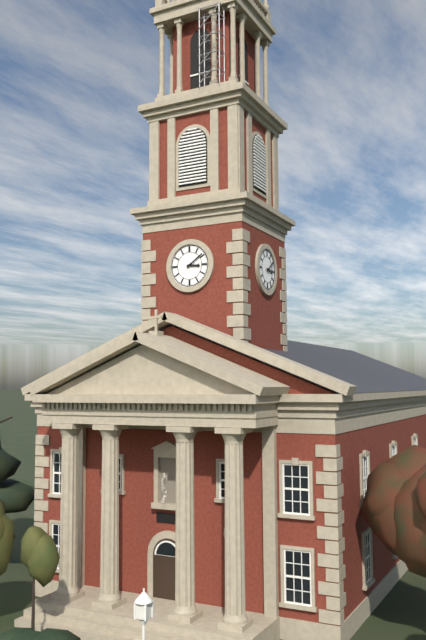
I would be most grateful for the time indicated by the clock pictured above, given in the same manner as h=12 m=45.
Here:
h=3 m=9
